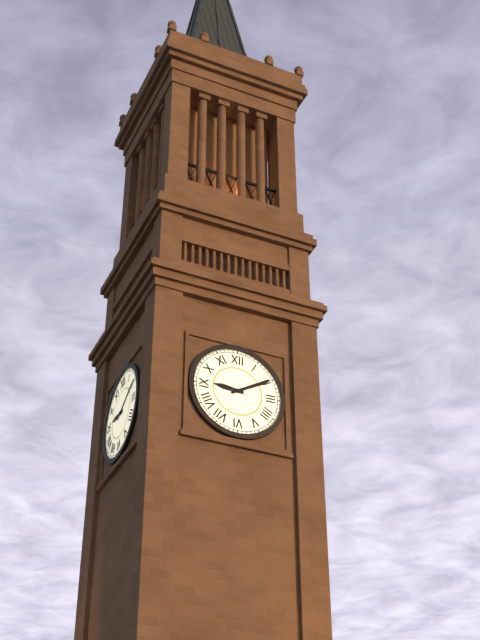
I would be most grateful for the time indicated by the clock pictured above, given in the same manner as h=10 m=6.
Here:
h=9 m=10
